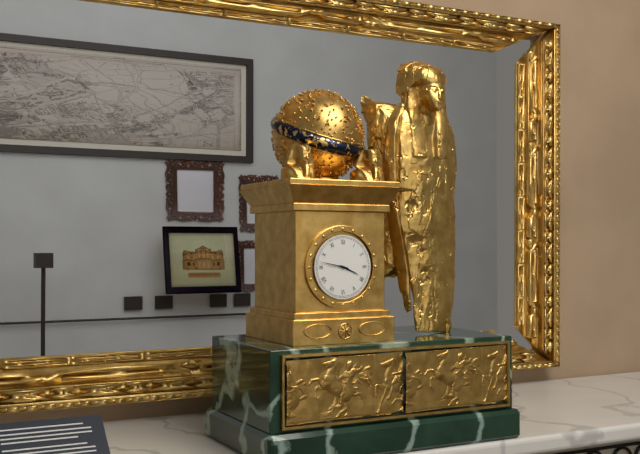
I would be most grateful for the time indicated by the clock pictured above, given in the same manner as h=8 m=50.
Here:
h=3 m=47
